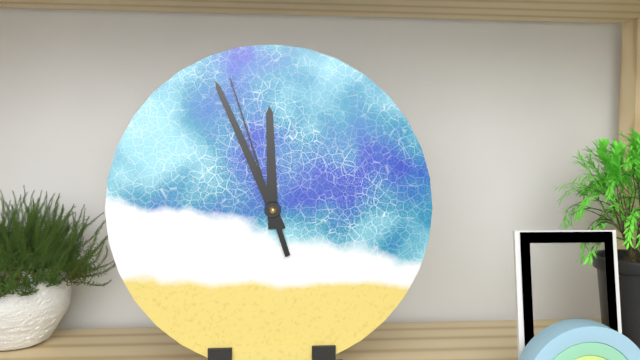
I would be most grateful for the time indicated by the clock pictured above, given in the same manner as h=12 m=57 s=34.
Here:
h=11 m=56 s=57
